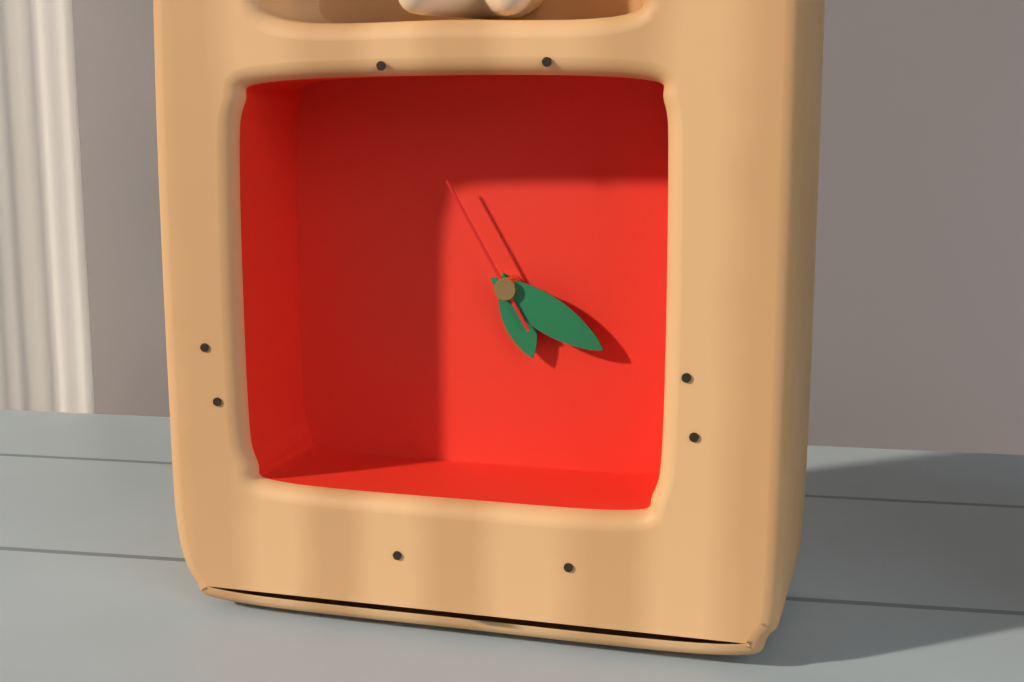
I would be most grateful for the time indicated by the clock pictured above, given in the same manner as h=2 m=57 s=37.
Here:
h=5 m=20 s=55
